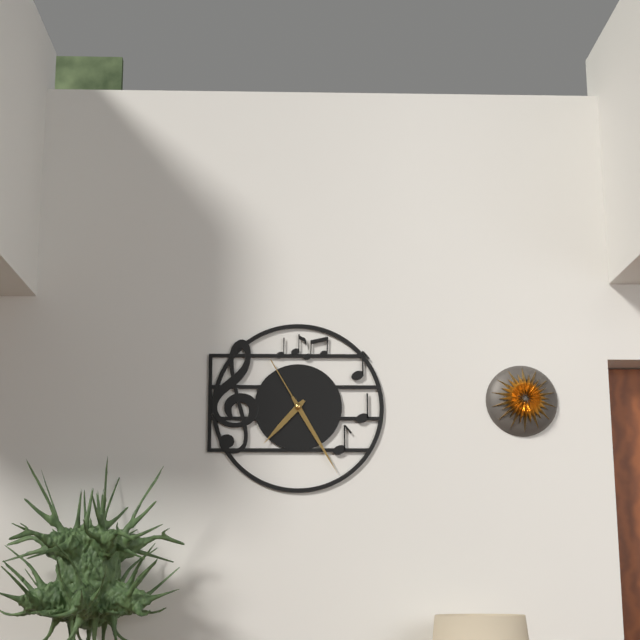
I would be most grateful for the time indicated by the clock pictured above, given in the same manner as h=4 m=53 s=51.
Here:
h=7 m=25 s=55
